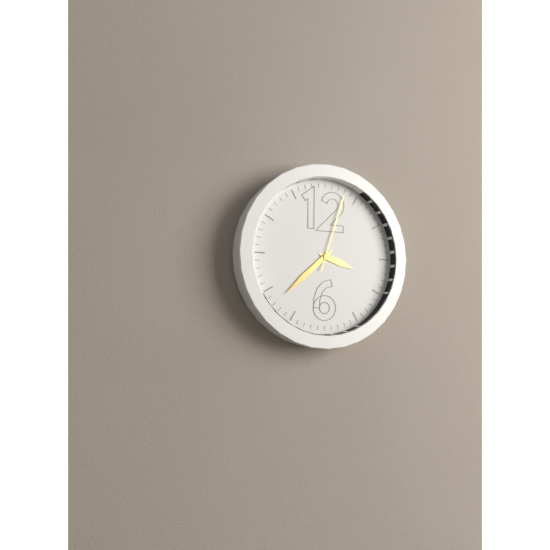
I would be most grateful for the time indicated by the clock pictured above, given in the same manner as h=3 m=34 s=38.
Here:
h=3 m=38 s=3
